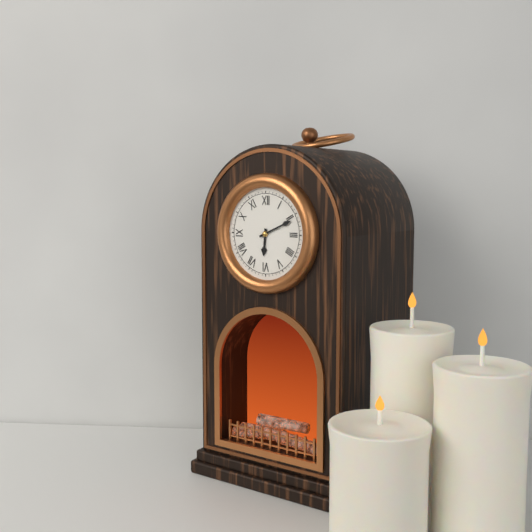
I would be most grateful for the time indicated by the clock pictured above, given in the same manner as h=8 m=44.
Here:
h=6 m=11
